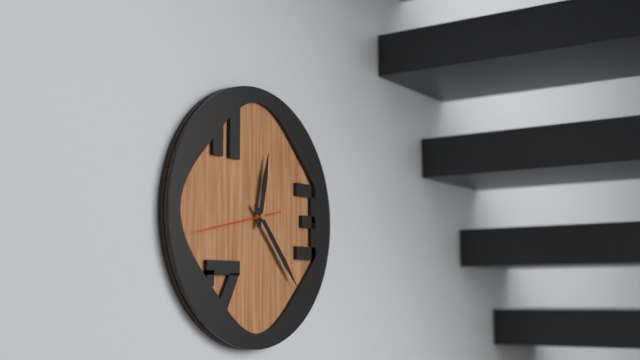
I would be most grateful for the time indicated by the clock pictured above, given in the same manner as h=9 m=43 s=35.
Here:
h=12 m=23 s=43
